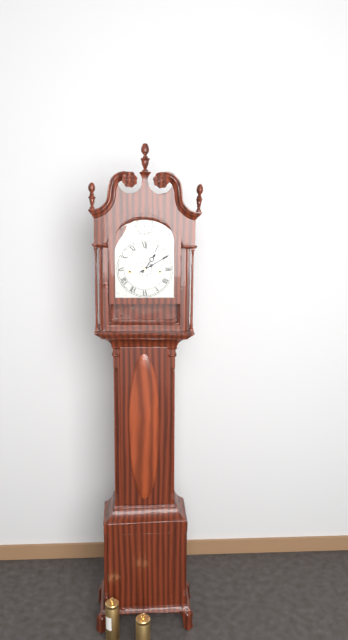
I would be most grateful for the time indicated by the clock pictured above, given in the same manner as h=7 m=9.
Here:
h=1 m=10
